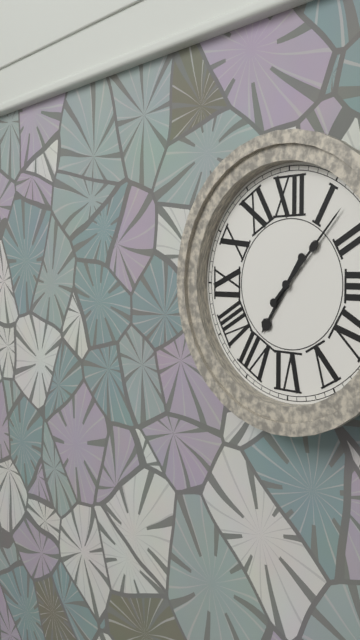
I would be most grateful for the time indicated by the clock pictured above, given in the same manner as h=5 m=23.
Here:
h=7 m=7
